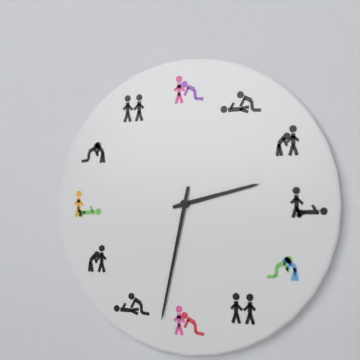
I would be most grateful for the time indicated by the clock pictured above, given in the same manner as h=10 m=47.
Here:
h=2 m=32
